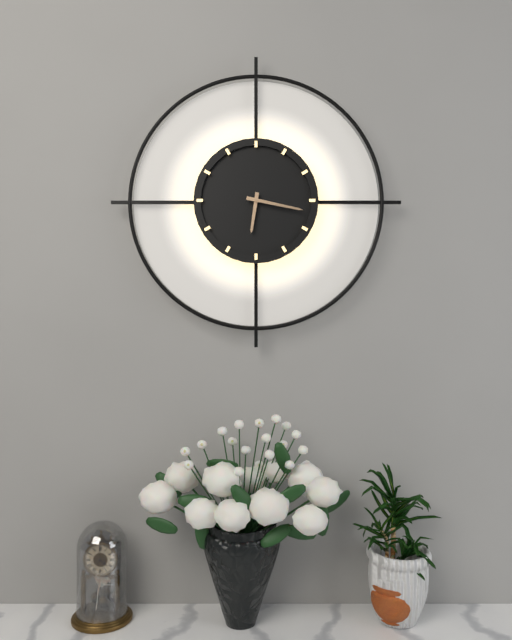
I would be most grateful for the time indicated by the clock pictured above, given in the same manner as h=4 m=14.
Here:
h=6 m=17
